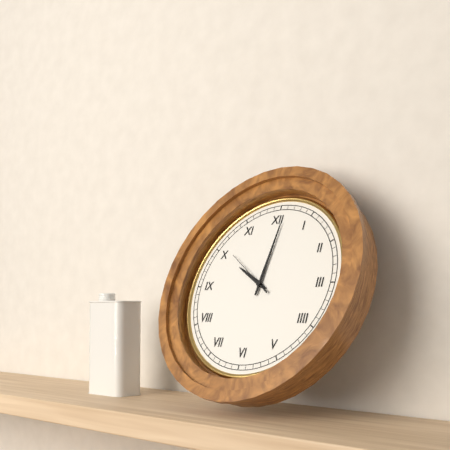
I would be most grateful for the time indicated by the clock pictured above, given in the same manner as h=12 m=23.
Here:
h=10 m=1
